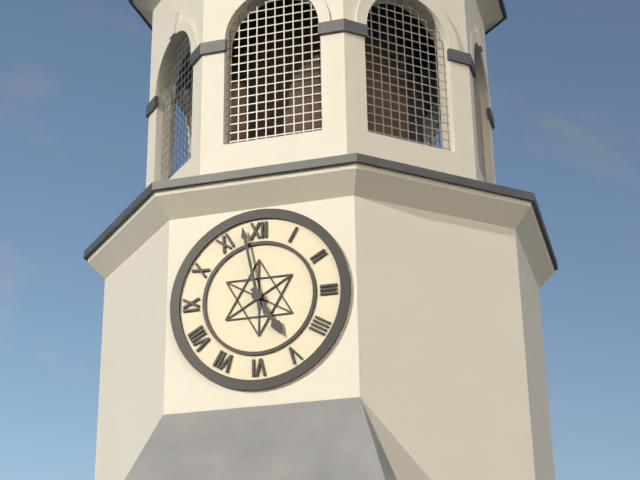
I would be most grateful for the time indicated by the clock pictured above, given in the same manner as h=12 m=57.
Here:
h=4 m=58
